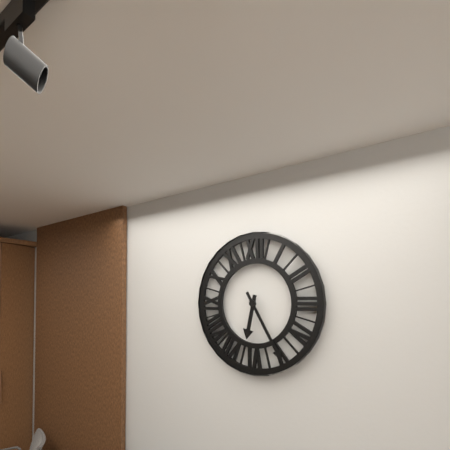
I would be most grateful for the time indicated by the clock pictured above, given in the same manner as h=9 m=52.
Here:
h=6 m=25
